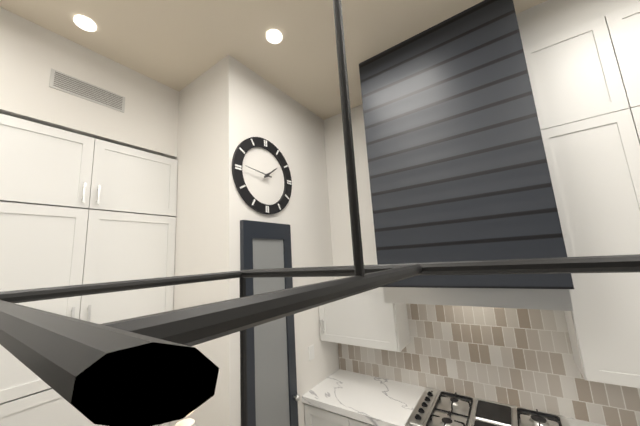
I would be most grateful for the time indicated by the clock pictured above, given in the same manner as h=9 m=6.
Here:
h=1 m=46
